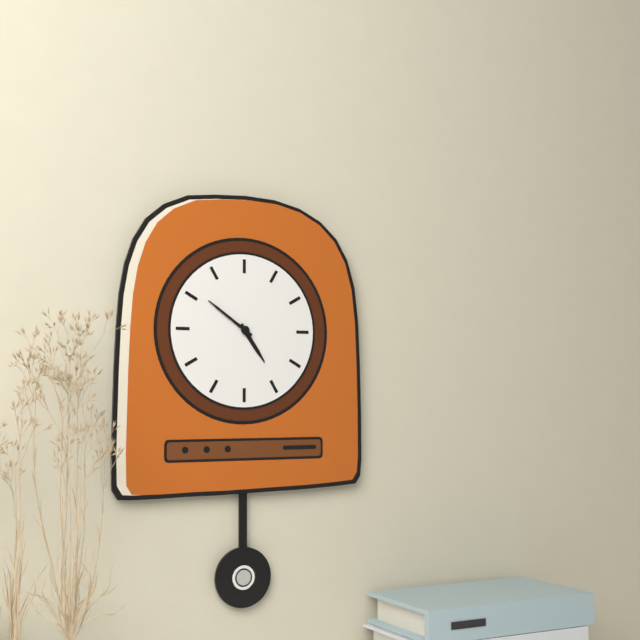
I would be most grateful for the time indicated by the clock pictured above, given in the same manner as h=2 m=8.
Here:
h=4 m=51
